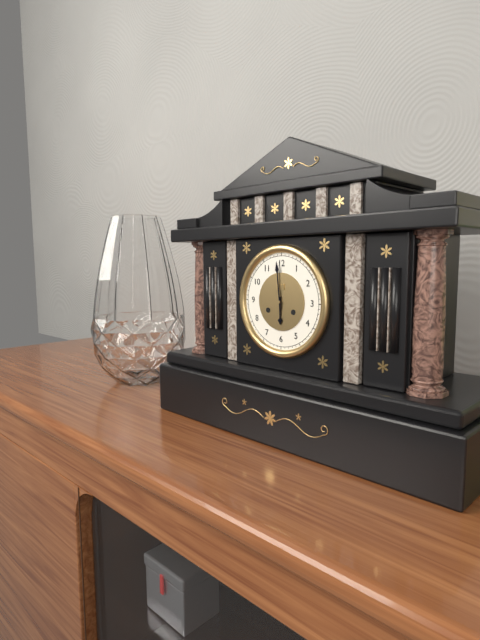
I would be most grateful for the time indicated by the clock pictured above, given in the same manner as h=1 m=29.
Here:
h=5 m=59
